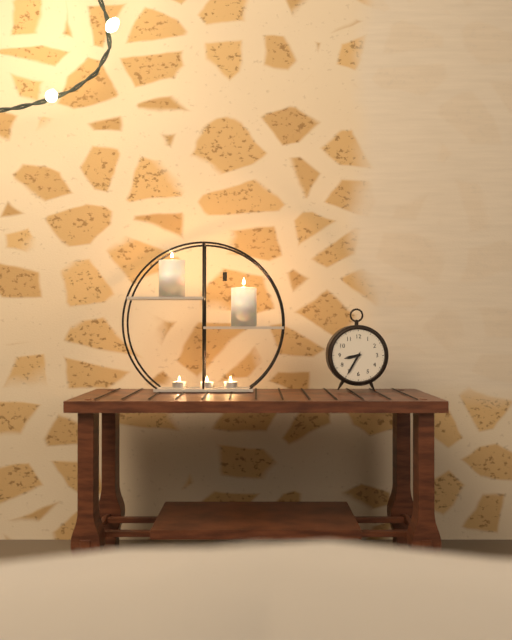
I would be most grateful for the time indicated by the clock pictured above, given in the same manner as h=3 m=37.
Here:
h=8 m=35
